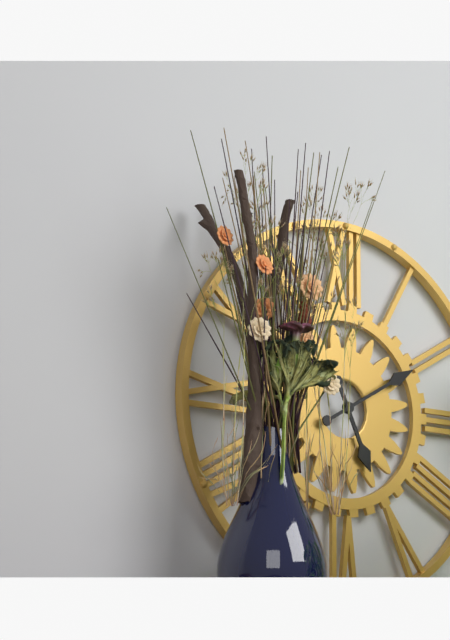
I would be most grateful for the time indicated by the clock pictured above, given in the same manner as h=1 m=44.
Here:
h=5 m=10
